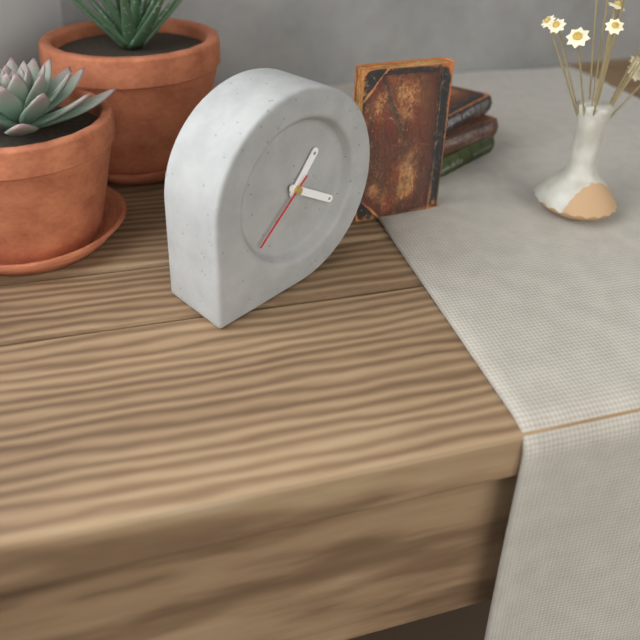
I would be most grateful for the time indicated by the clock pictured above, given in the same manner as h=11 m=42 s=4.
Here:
h=1 m=20 s=38
